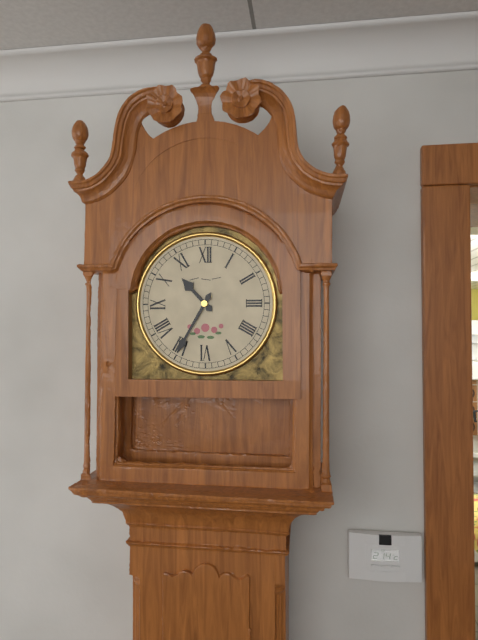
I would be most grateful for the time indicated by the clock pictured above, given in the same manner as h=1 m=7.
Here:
h=10 m=35
